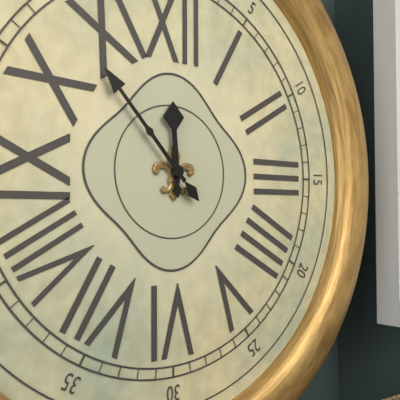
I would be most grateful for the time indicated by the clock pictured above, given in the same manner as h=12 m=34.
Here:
h=11 m=53
